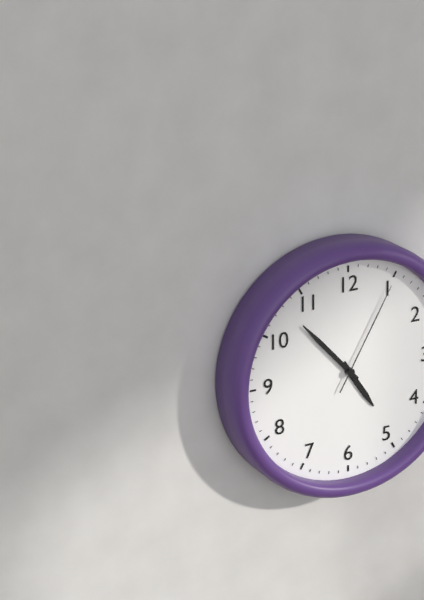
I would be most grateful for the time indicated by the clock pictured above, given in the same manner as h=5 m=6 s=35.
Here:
h=4 m=53 s=5
